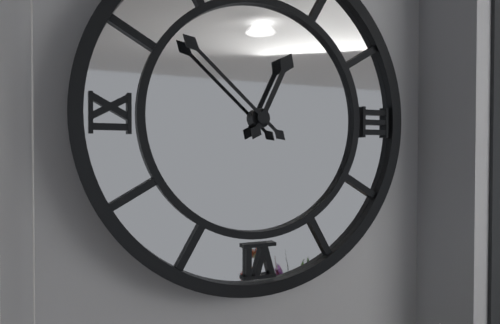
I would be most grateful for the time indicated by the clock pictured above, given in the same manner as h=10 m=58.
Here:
h=12 m=52
